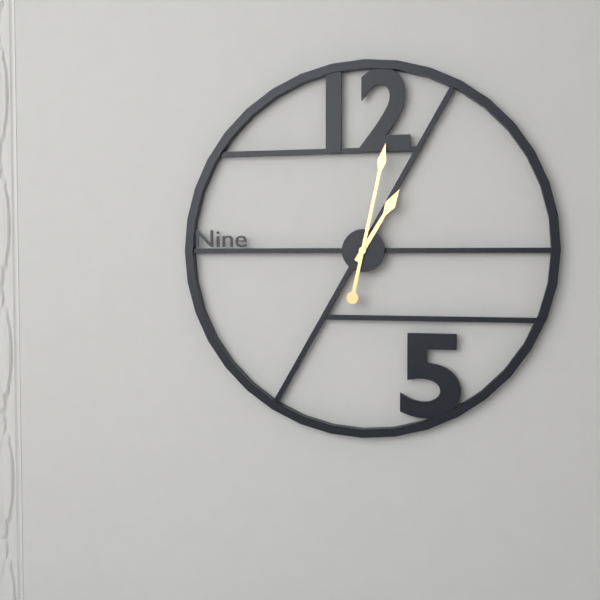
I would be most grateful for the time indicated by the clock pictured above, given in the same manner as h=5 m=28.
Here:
h=1 m=2
